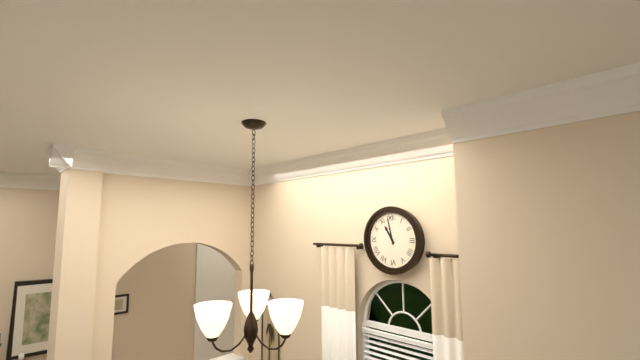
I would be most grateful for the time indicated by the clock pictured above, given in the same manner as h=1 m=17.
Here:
h=10 m=58
